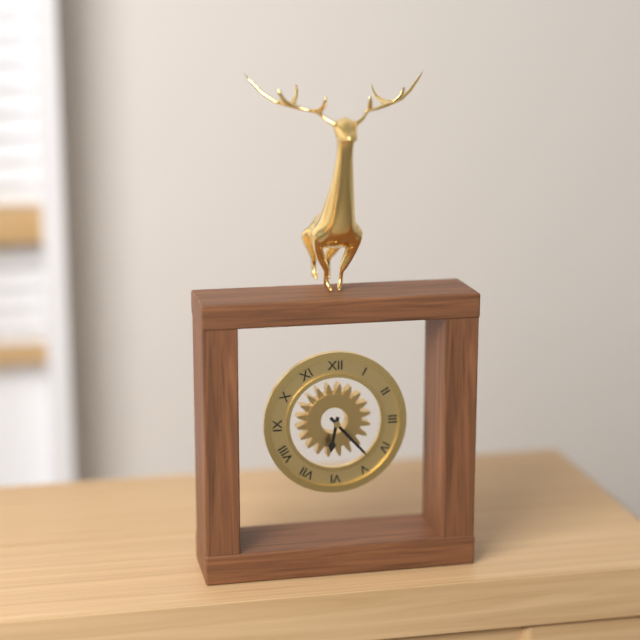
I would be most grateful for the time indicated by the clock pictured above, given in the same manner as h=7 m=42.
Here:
h=6 m=23
